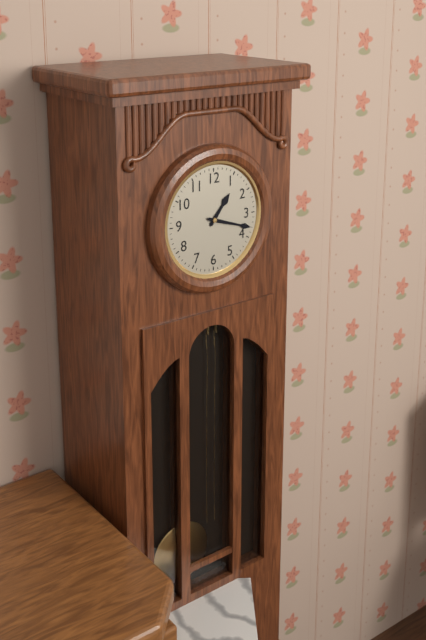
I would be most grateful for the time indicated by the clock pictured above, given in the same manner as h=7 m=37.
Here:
h=1 m=18
